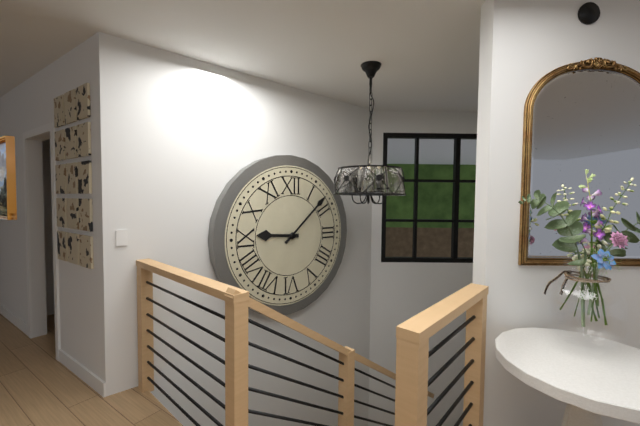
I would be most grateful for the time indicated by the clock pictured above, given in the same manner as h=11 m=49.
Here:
h=9 m=8
